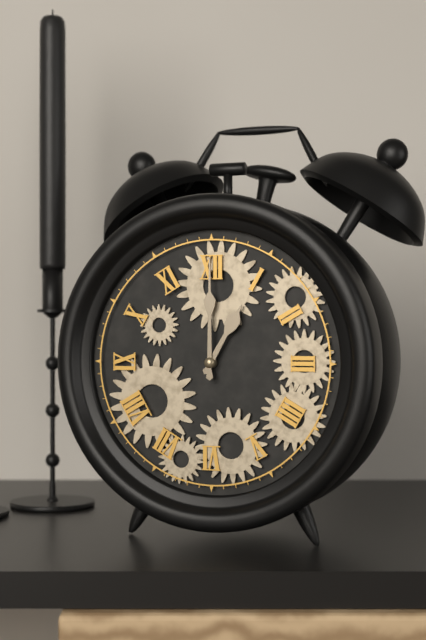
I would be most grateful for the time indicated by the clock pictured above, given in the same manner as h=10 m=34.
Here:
h=1 m=0
